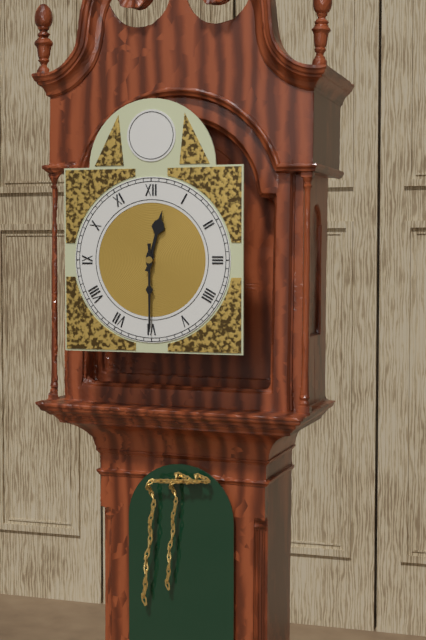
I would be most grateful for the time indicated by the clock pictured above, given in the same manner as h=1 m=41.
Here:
h=12 m=30
